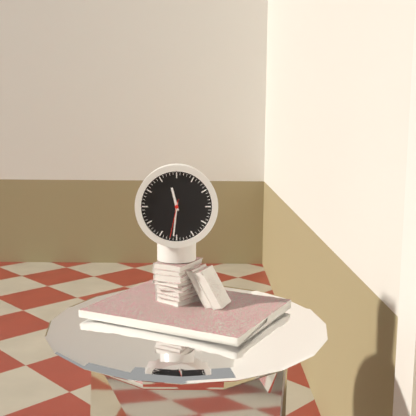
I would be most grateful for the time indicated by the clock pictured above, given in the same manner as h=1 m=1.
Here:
h=11 m=31
